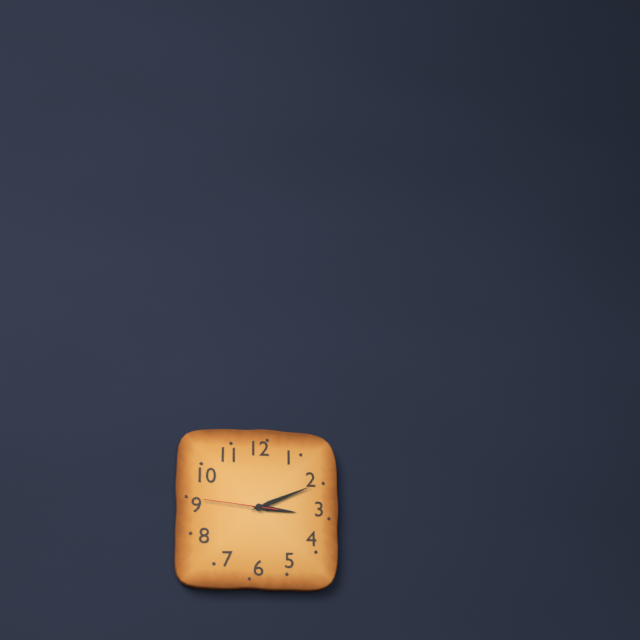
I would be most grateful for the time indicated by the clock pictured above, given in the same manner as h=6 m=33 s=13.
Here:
h=3 m=11 s=46
